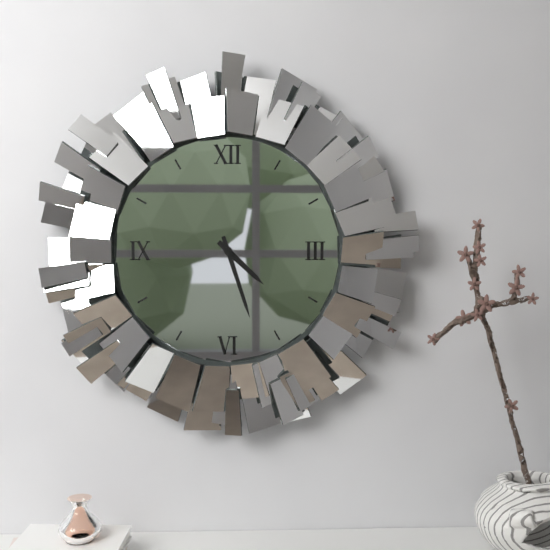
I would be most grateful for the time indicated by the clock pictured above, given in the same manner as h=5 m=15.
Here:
h=4 m=27
